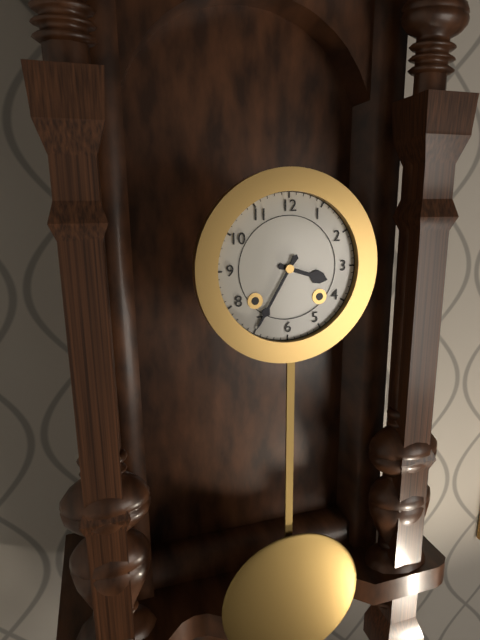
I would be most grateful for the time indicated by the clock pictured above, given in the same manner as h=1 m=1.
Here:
h=3 m=35
